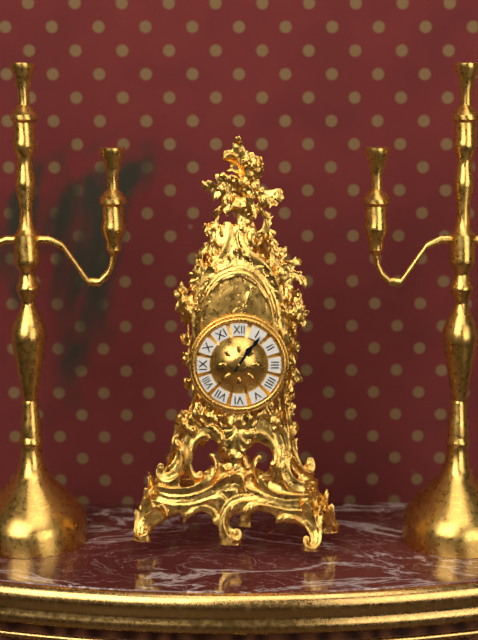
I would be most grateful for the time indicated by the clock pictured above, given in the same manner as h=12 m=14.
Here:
h=1 m=6
